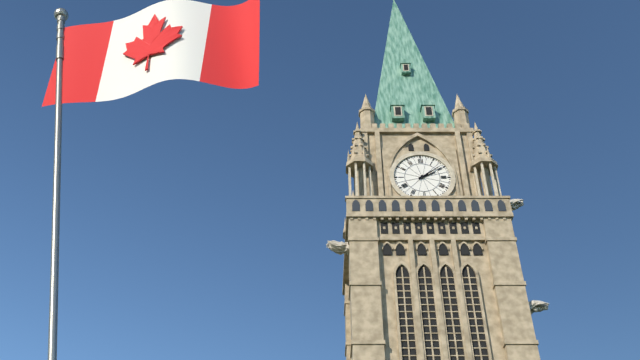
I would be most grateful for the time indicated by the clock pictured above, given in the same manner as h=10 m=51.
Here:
h=2 m=9
